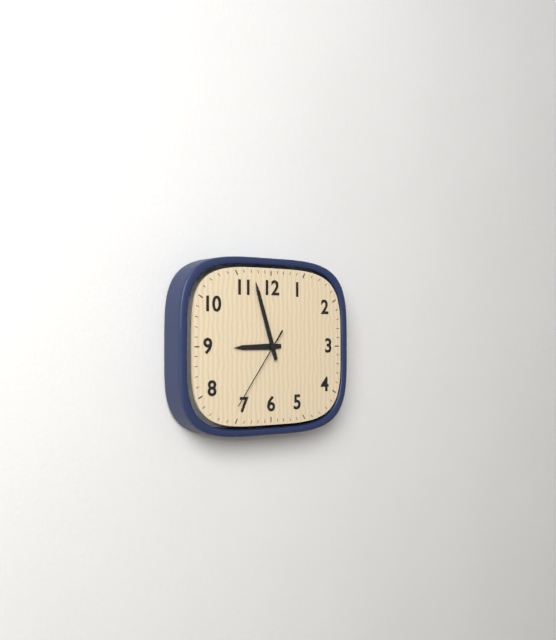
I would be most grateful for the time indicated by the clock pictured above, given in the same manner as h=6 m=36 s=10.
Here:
h=8 m=57 s=36
